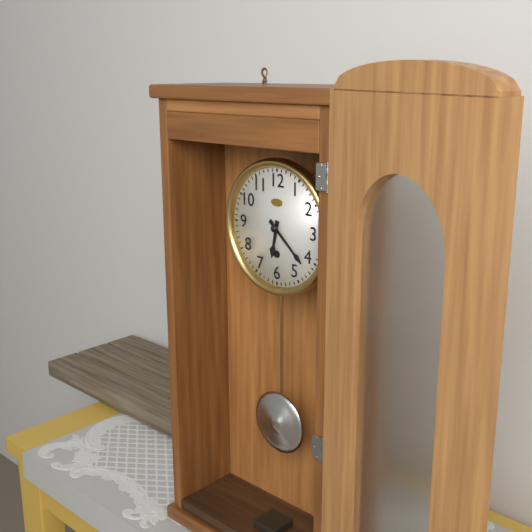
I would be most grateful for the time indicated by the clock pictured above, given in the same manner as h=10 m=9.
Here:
h=6 m=22
